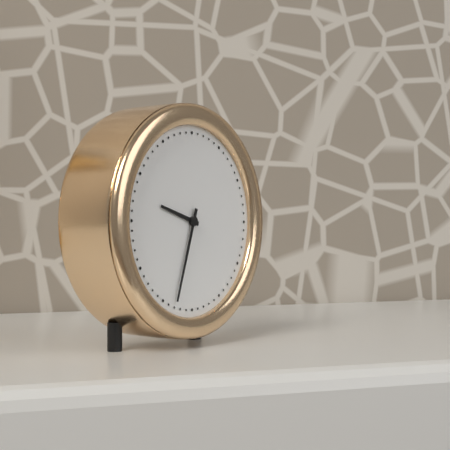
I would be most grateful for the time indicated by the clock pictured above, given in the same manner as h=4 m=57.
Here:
h=9 m=33
